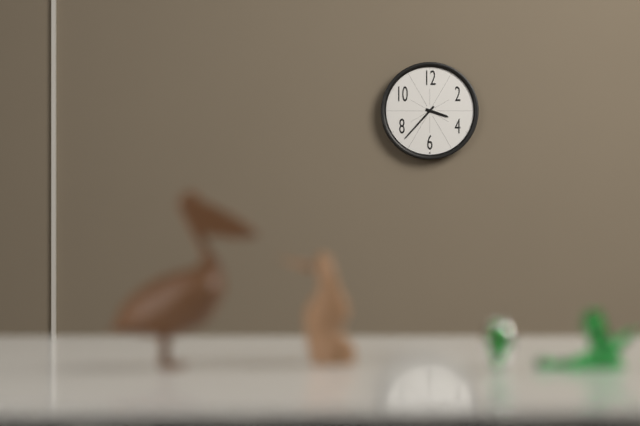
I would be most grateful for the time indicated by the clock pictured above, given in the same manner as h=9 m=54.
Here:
h=3 m=37
